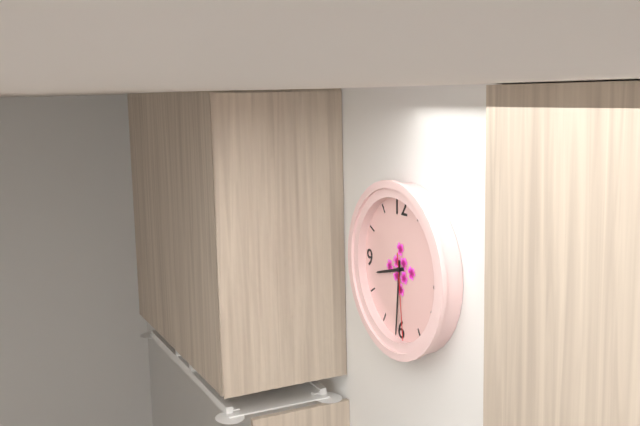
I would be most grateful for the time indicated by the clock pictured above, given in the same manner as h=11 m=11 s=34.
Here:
h=8 m=31 s=29
